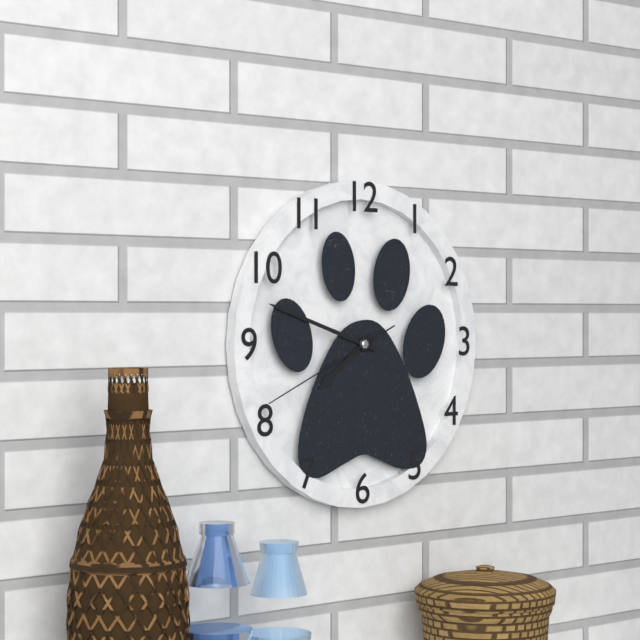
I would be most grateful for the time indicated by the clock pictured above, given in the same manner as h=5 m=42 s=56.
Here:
h=7 m=48 s=41
